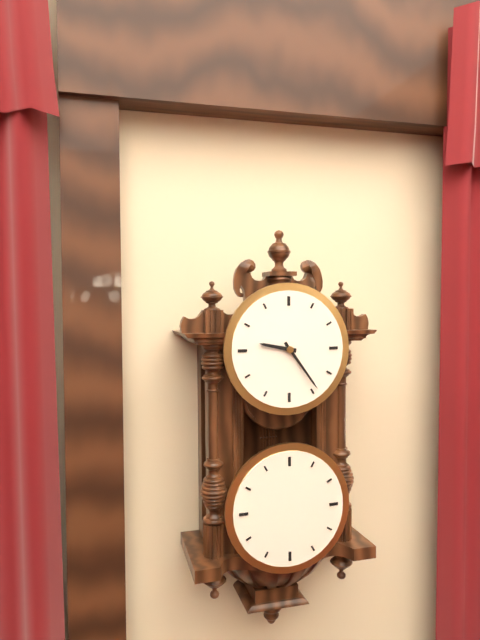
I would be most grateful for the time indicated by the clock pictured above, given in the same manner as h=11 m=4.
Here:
h=9 m=24
